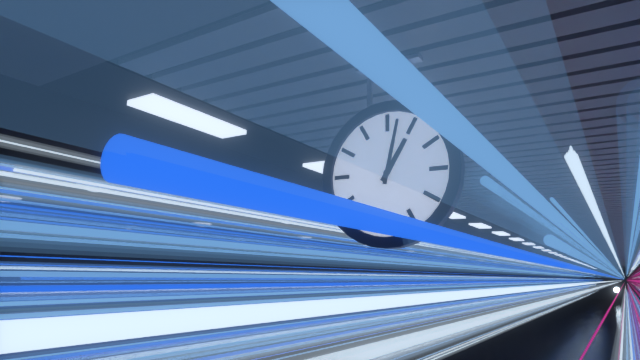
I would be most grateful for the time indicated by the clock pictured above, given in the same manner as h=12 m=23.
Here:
h=1 m=2
